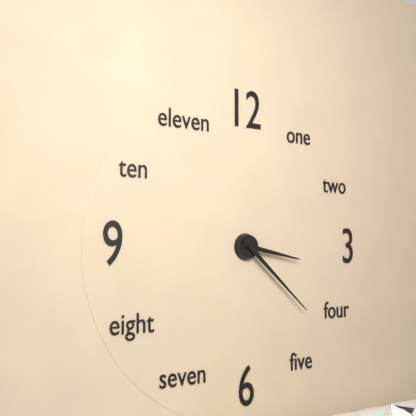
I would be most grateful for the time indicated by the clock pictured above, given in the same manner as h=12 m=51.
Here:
h=3 m=22
